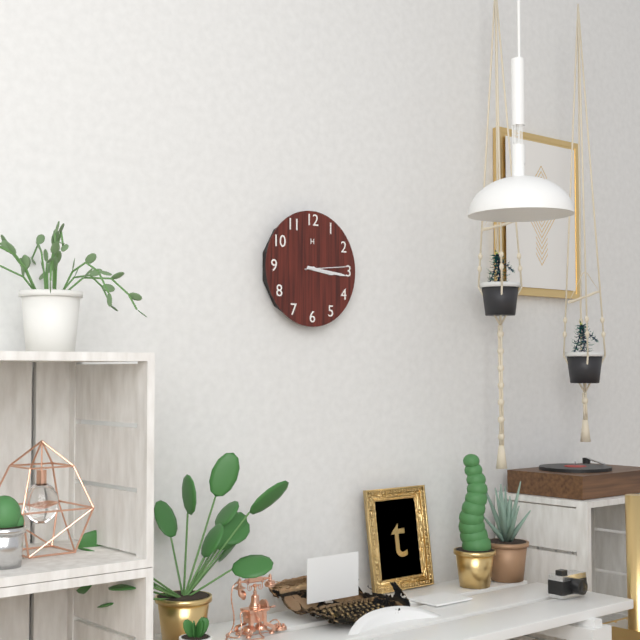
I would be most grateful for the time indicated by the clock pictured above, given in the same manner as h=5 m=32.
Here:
h=3 m=16
